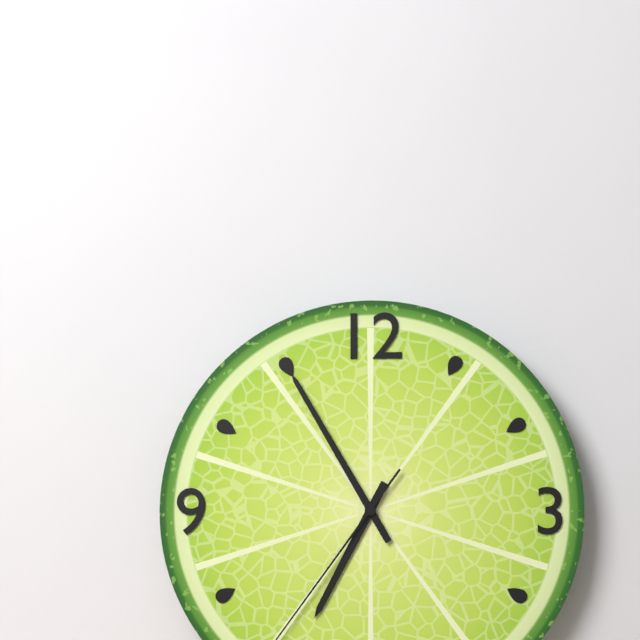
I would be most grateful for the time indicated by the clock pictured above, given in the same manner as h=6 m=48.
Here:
h=6 m=55
